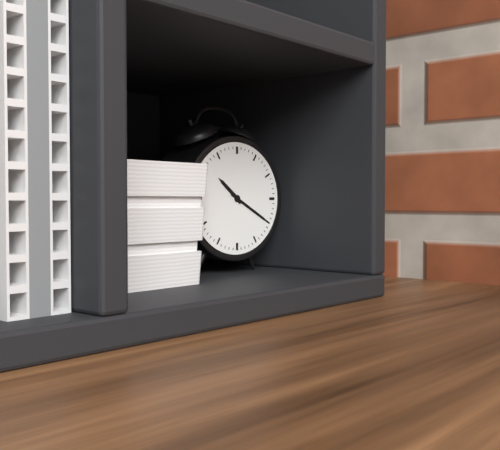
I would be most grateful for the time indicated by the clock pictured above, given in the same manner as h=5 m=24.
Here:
h=10 m=20
